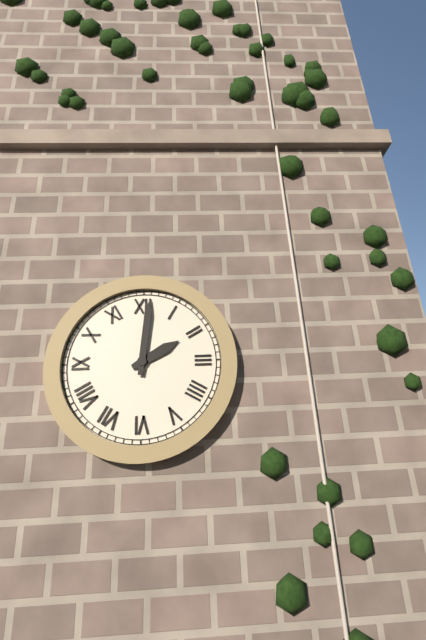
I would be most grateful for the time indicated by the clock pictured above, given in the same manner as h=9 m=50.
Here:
h=2 m=1
